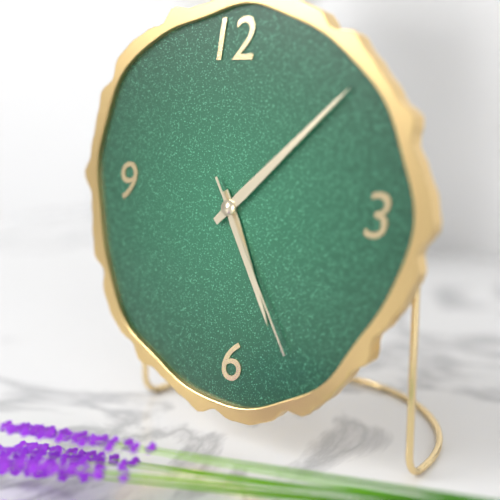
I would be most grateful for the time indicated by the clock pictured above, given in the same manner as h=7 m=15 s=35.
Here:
h=5 m=8 s=25
